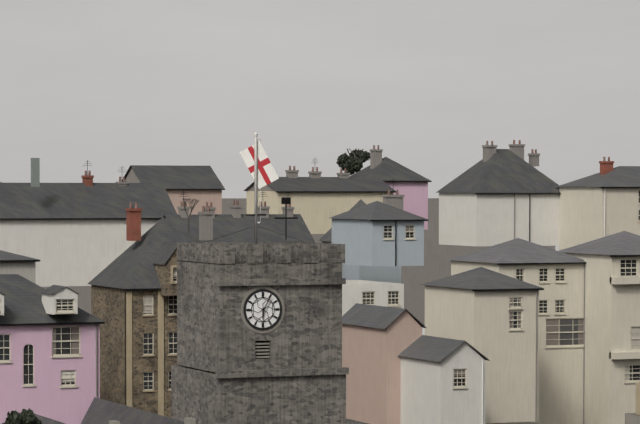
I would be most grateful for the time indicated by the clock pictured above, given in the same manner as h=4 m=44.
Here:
h=6 m=5
